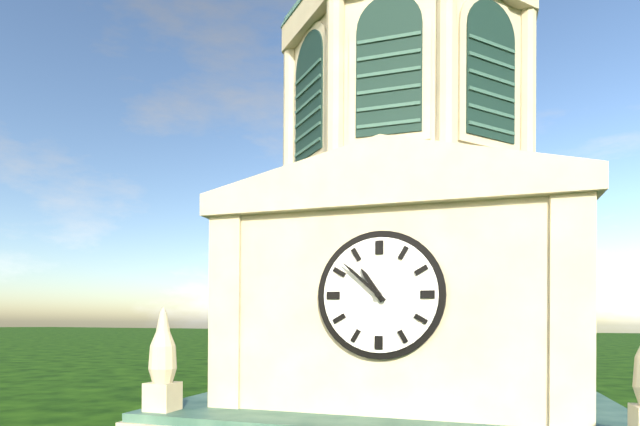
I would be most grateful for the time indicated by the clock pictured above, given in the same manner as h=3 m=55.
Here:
h=10 m=52
